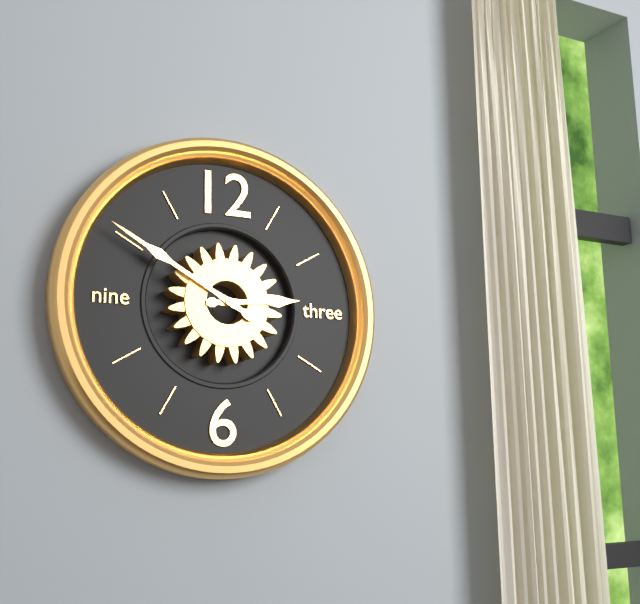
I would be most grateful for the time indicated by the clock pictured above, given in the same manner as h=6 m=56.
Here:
h=2 m=50
